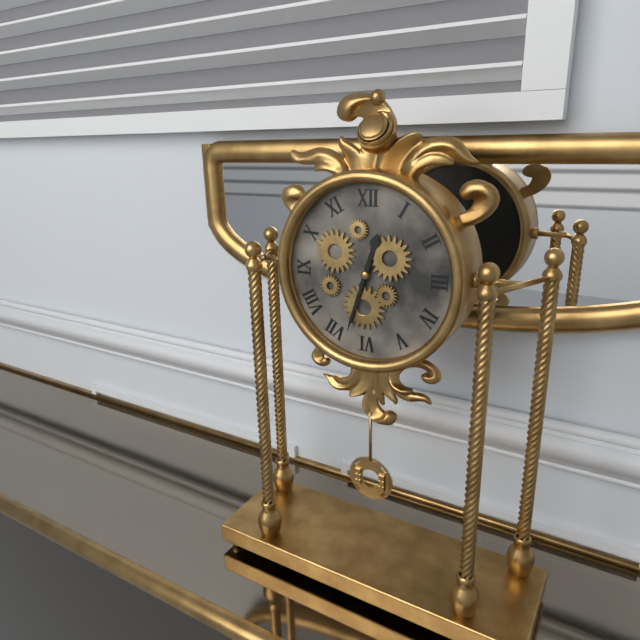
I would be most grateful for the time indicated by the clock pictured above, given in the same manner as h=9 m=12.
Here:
h=12 m=33
